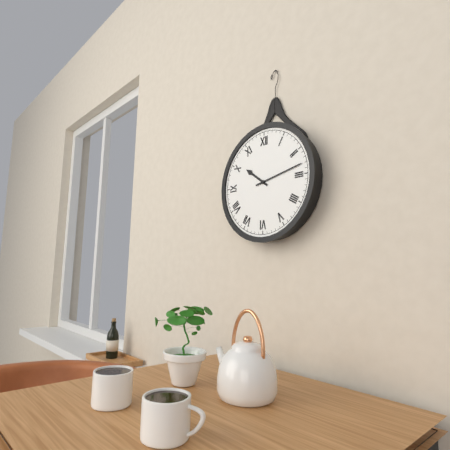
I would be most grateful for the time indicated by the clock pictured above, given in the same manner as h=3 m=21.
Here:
h=10 m=13
